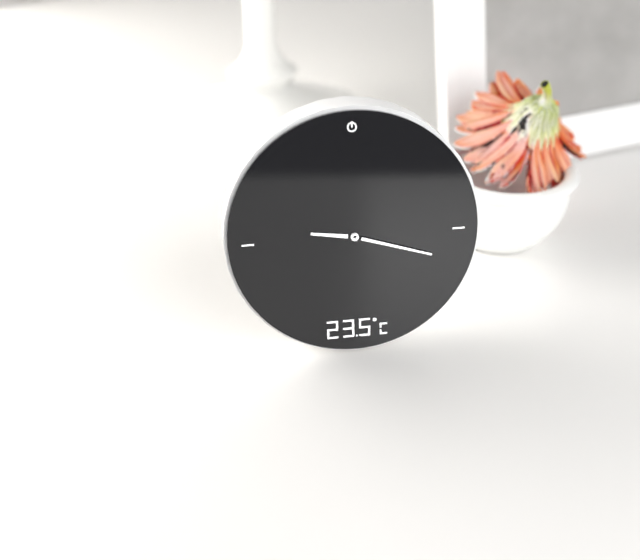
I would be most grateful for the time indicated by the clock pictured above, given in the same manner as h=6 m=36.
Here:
h=9 m=18
